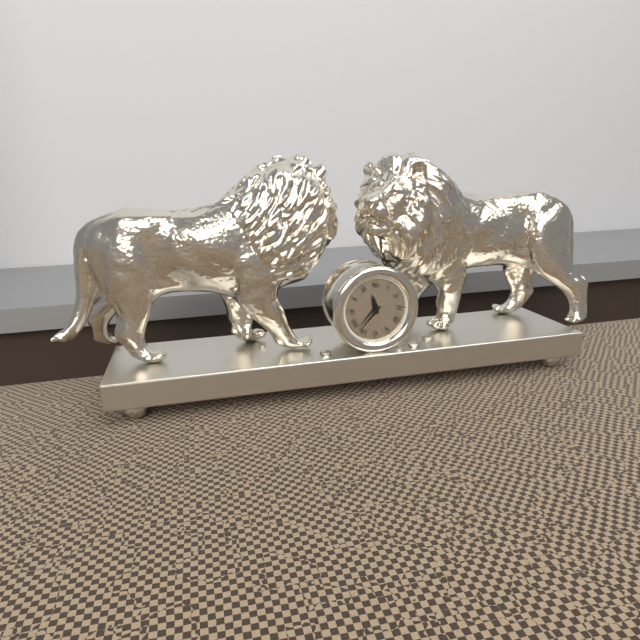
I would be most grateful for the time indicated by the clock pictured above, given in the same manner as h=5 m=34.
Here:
h=11 m=37
